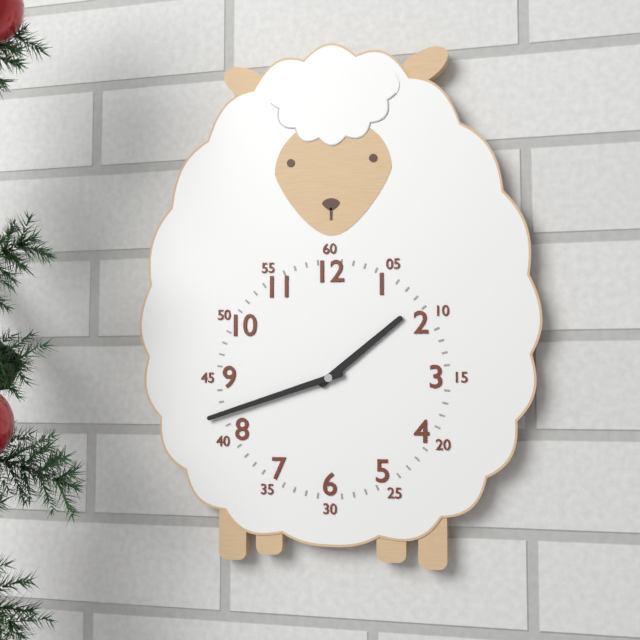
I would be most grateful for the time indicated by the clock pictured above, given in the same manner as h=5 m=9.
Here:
h=1 m=42
